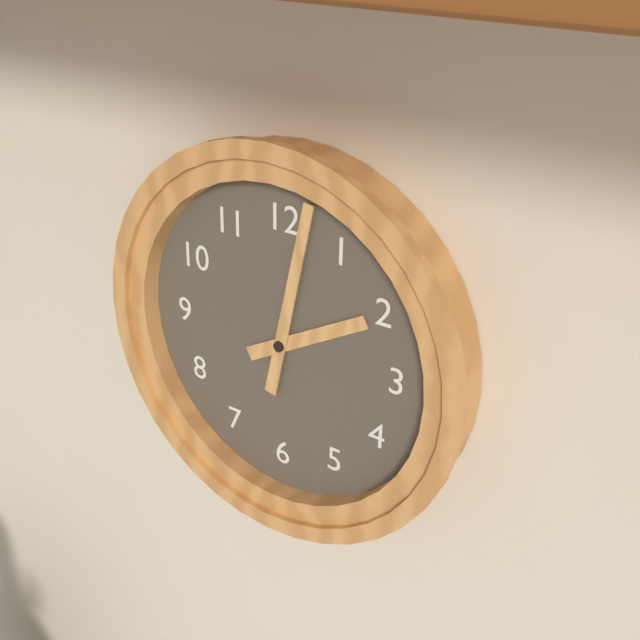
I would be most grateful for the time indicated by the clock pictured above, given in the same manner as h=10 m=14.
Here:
h=2 m=2
